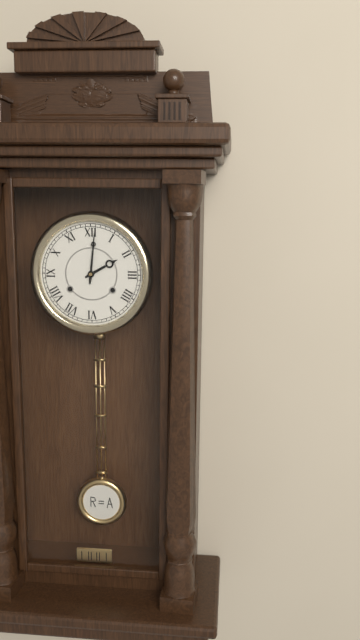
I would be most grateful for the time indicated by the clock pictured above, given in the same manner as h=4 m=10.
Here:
h=2 m=1
